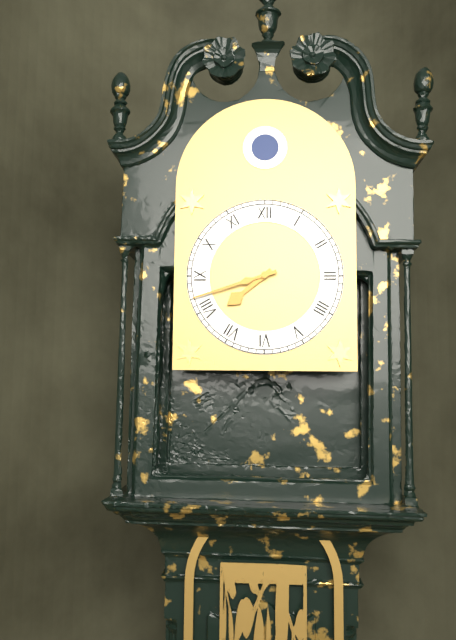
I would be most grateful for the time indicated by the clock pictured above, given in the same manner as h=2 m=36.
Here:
h=7 m=42
